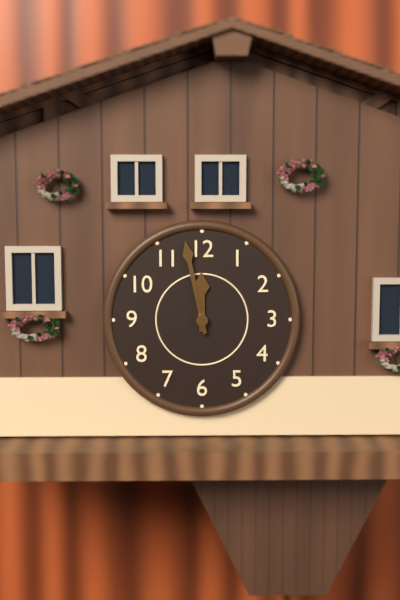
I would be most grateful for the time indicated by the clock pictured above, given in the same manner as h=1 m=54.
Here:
h=11 m=58
